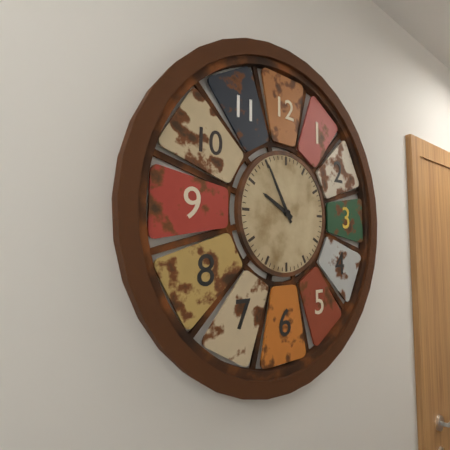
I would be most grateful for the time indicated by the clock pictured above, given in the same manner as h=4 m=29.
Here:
h=9 m=55
